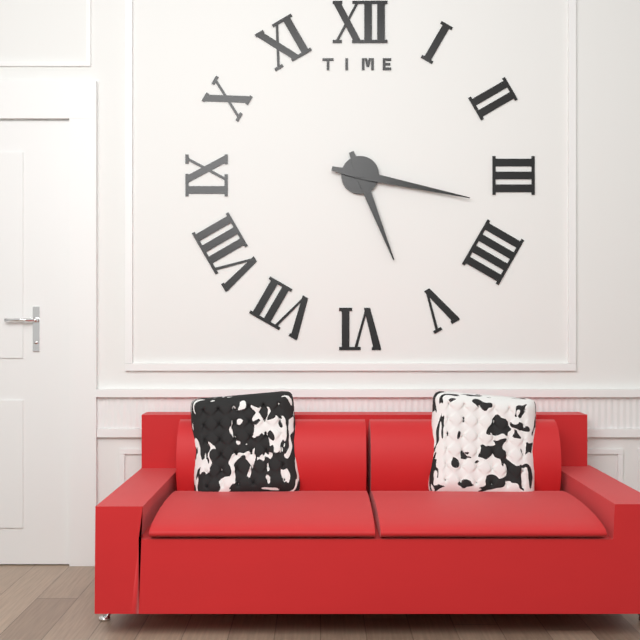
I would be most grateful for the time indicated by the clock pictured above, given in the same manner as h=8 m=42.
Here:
h=5 m=17
